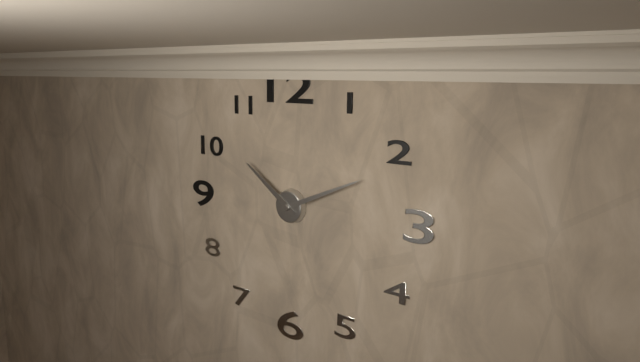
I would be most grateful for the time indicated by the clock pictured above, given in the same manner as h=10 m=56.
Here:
h=10 m=11
